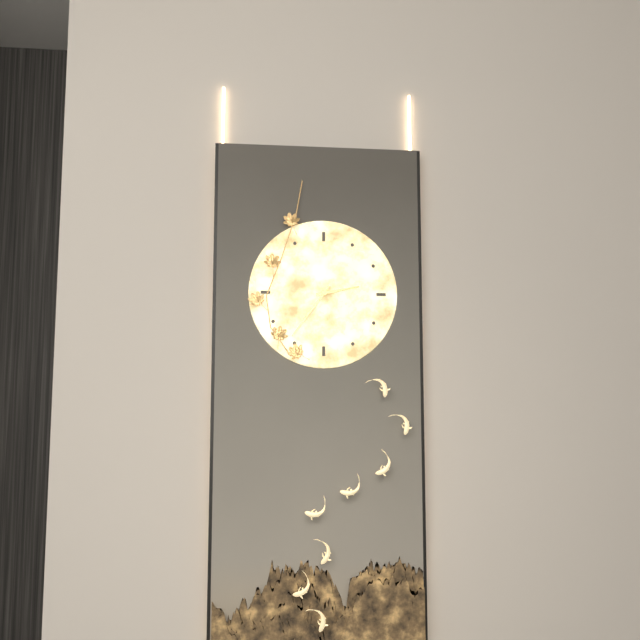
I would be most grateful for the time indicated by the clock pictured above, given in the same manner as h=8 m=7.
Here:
h=2 m=36
